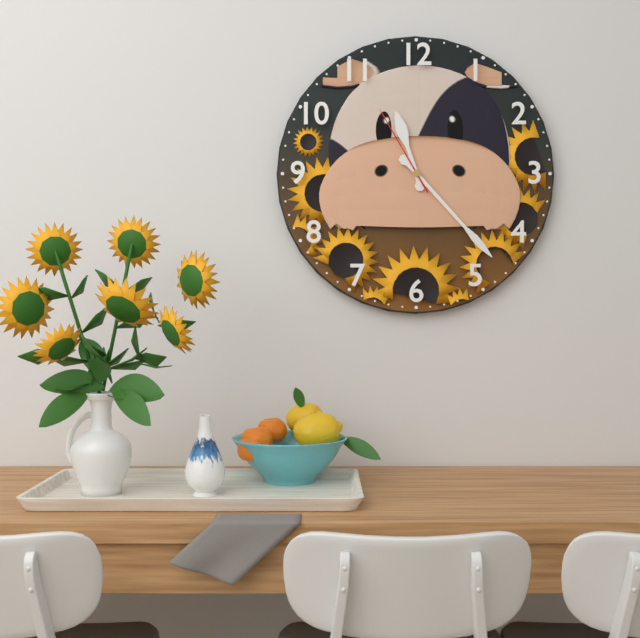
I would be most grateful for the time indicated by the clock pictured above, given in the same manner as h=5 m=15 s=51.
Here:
h=11 m=23 s=55
